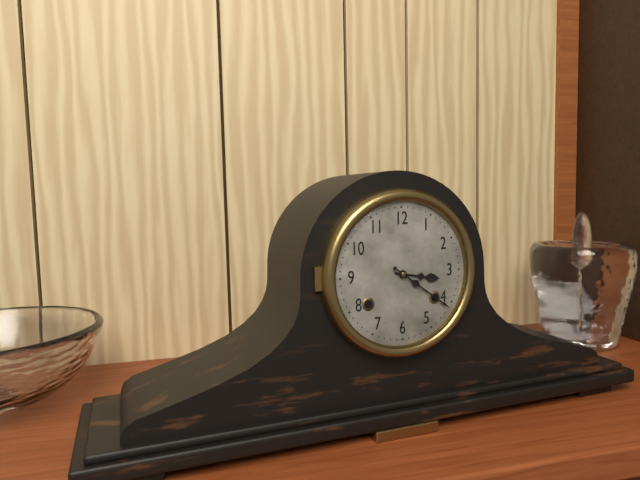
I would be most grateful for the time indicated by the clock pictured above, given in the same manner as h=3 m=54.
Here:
h=3 m=21
